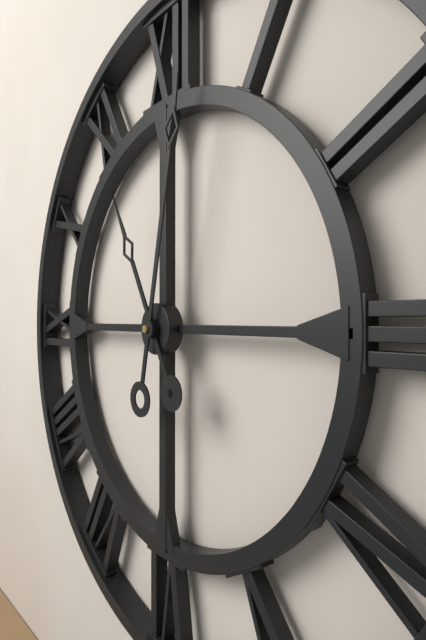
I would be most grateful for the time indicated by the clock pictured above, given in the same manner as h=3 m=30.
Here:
h=11 m=2
